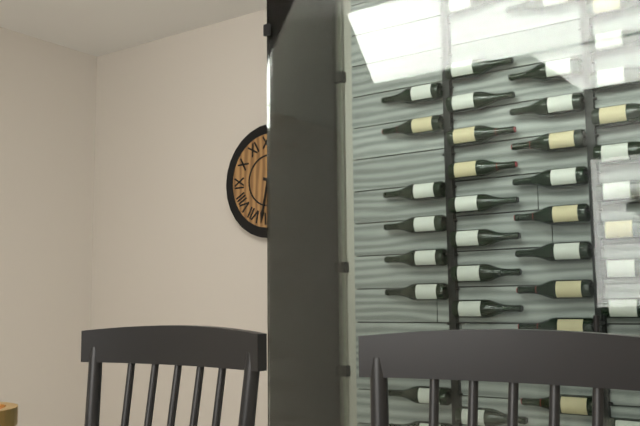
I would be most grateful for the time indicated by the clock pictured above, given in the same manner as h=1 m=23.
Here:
h=3 m=32
